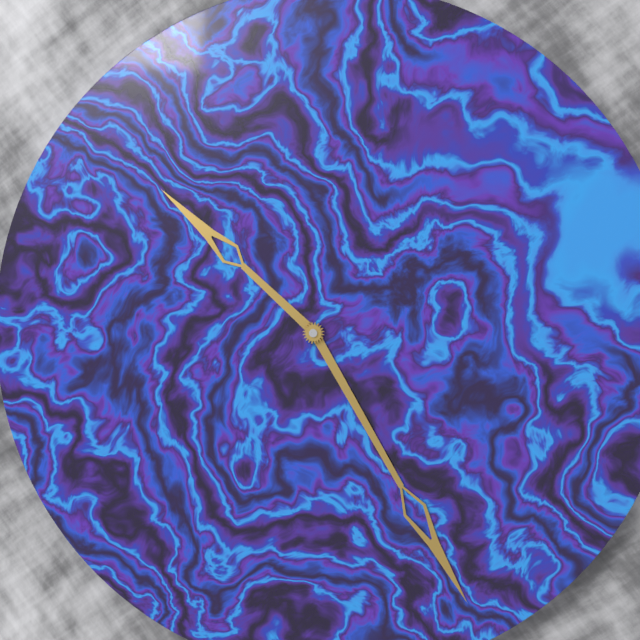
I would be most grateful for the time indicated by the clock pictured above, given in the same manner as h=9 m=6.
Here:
h=10 m=25
